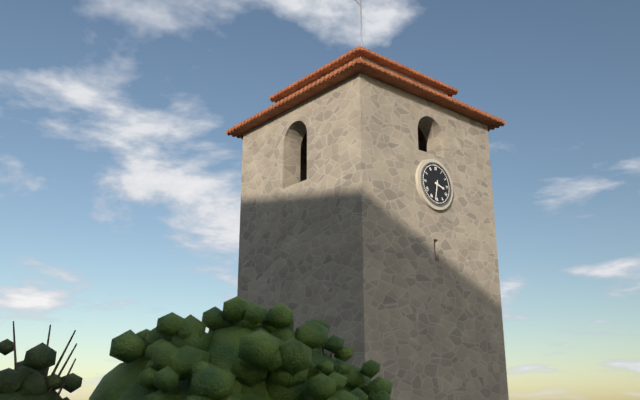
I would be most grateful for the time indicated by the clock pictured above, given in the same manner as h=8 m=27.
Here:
h=3 m=32
